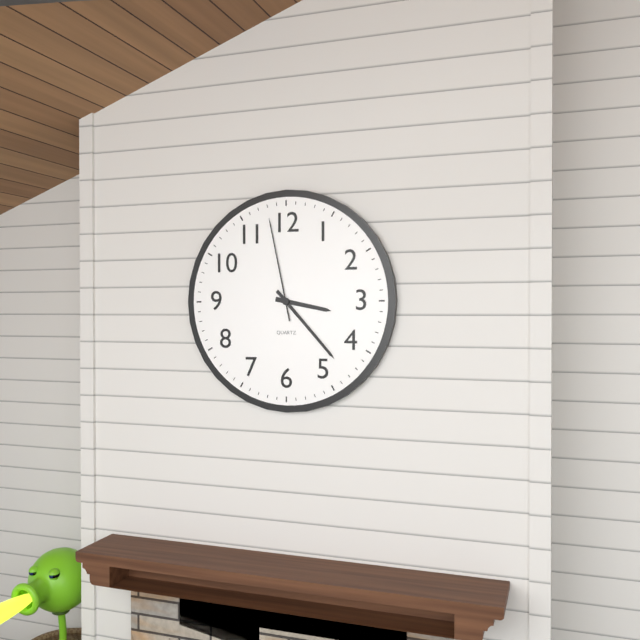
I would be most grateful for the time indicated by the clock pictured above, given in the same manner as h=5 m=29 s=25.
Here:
h=3 m=23 s=58
